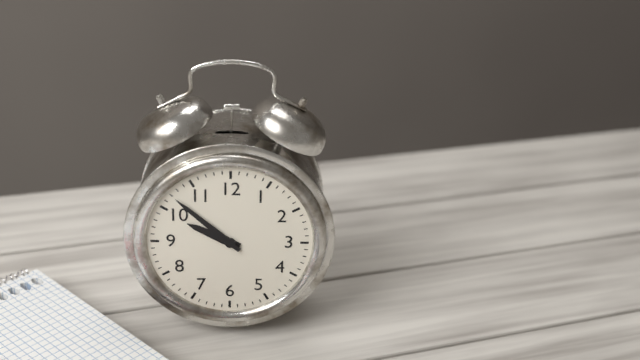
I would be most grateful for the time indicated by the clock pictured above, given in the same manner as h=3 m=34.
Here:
h=9 m=52
